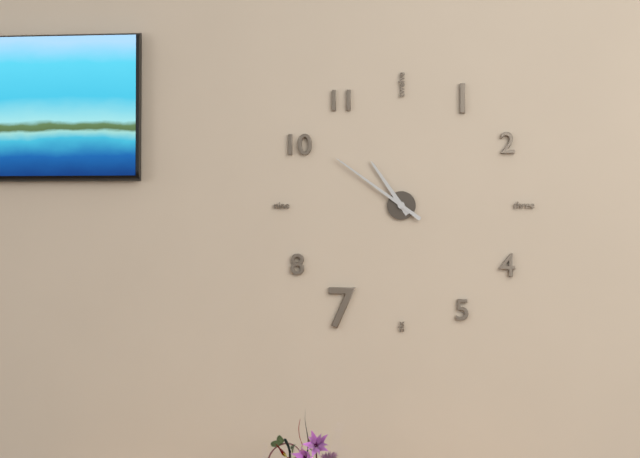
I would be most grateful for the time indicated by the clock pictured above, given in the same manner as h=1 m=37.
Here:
h=10 m=51
